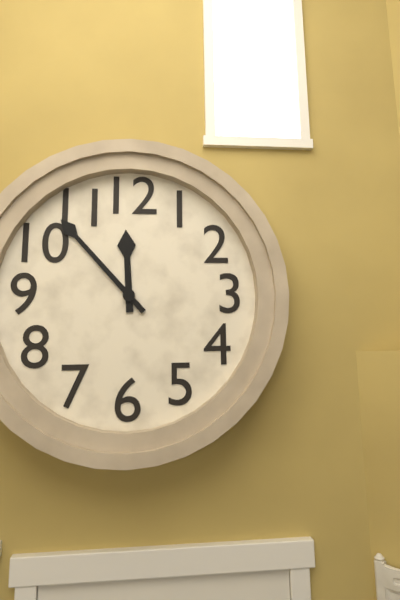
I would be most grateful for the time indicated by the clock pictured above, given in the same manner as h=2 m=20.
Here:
h=11 m=53
